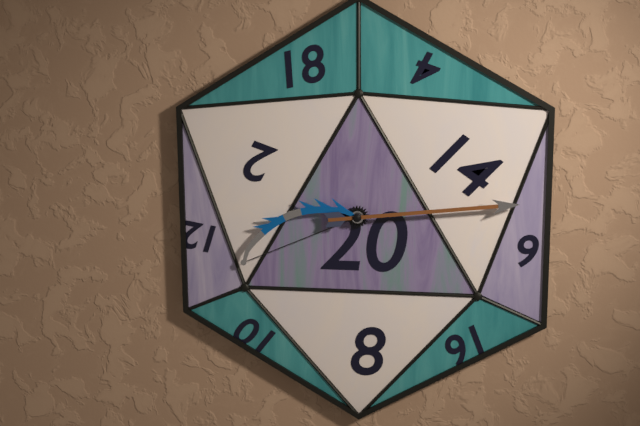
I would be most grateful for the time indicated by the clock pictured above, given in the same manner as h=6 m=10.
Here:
h=8 m=14
